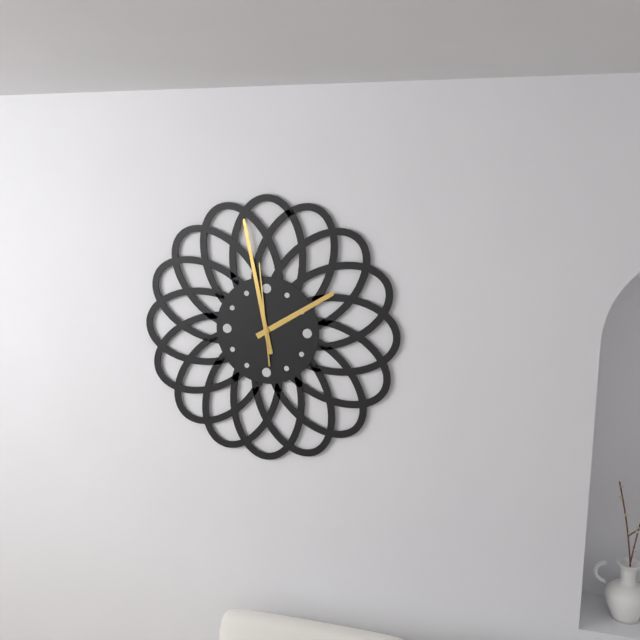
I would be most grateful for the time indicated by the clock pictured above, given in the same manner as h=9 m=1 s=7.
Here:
h=1 m=58 s=59
